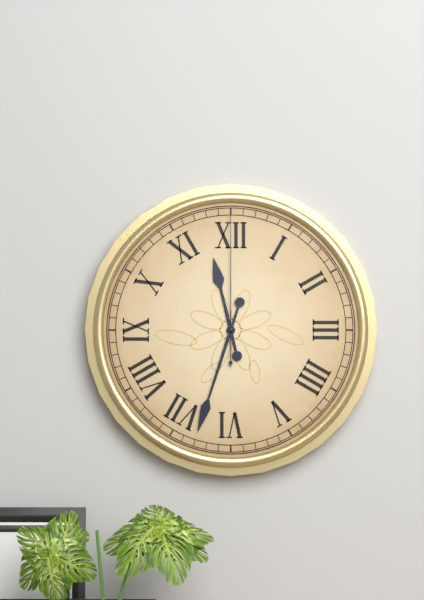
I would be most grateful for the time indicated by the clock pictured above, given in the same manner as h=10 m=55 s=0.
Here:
h=11 m=33 s=0
